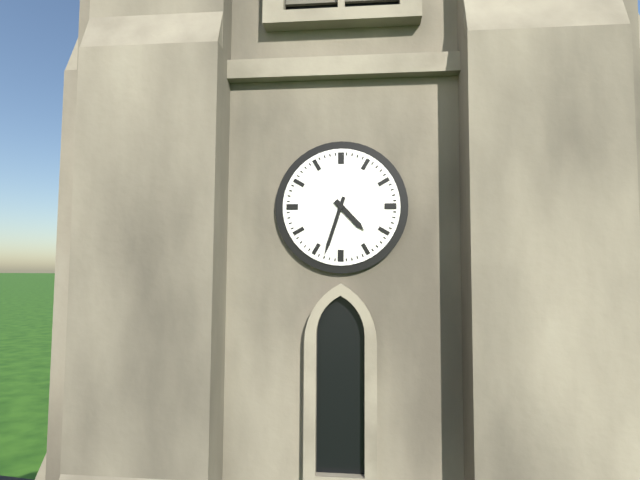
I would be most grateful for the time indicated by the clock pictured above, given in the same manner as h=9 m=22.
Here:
h=4 m=33
